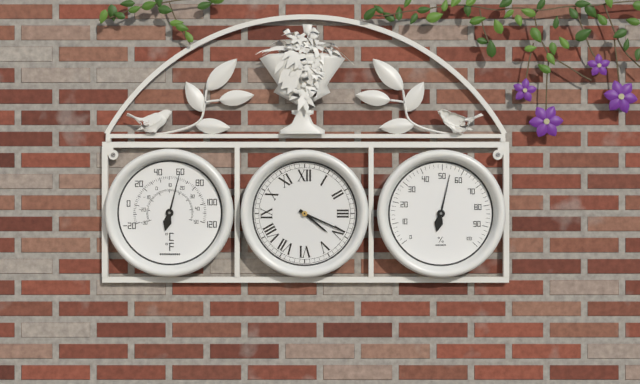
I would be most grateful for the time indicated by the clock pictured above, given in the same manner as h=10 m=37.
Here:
h=4 m=19
